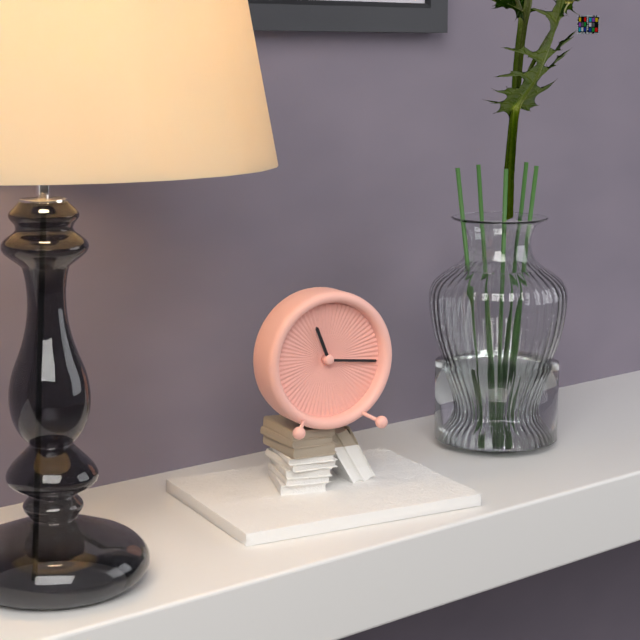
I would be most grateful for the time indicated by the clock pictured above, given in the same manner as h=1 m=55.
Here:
h=11 m=16
